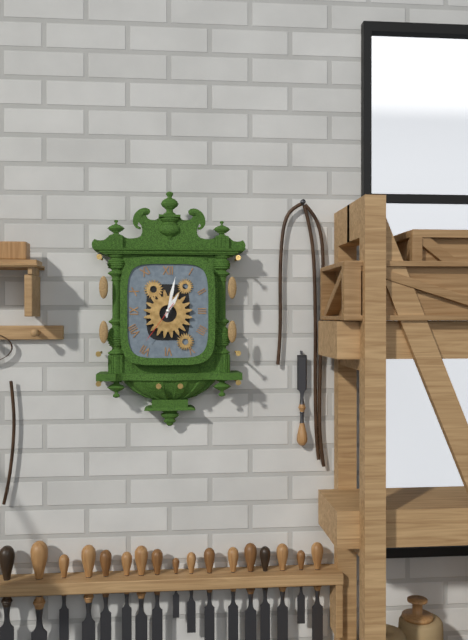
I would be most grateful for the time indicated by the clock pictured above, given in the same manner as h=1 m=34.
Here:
h=1 m=2
